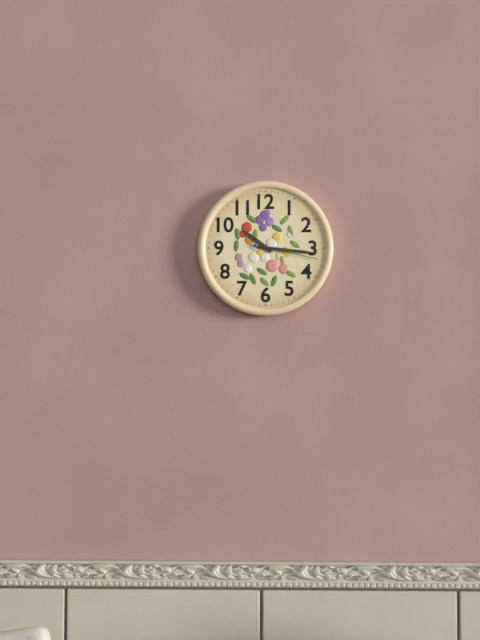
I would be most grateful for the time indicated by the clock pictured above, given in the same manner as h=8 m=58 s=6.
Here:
h=10 m=16 s=17
